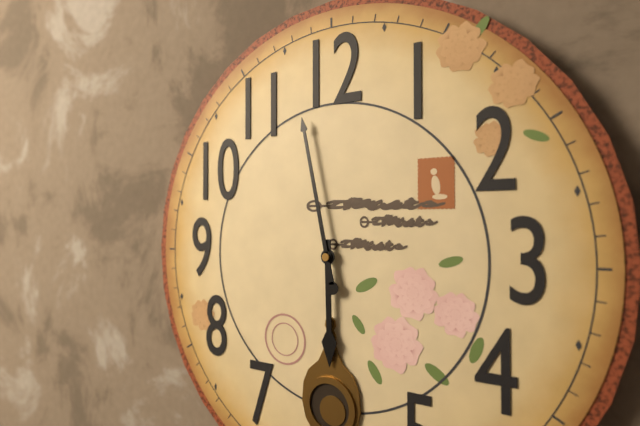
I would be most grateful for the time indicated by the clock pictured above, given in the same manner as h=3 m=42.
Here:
h=5 m=58
